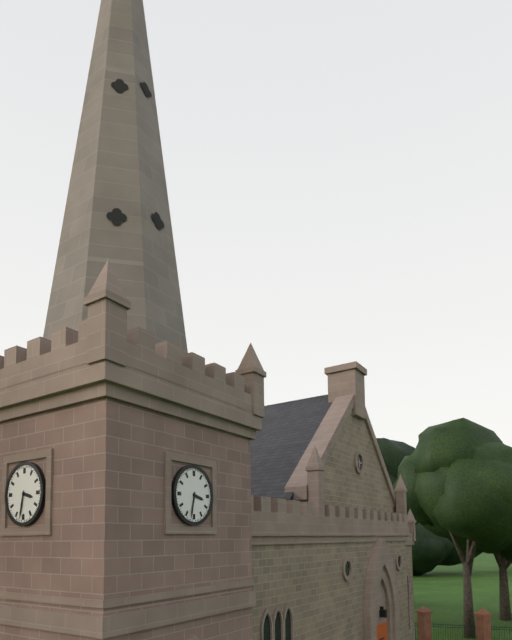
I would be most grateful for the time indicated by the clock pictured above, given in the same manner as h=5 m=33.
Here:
h=3 m=32
